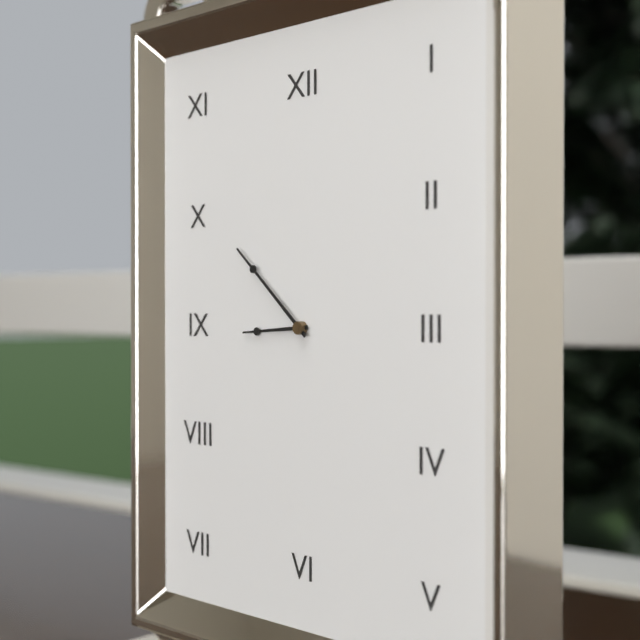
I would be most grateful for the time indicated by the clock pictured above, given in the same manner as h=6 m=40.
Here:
h=8 m=52
